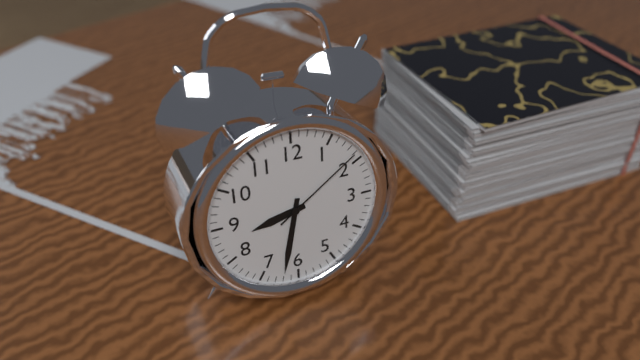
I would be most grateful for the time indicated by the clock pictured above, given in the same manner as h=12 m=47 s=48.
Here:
h=8 m=32 s=9
